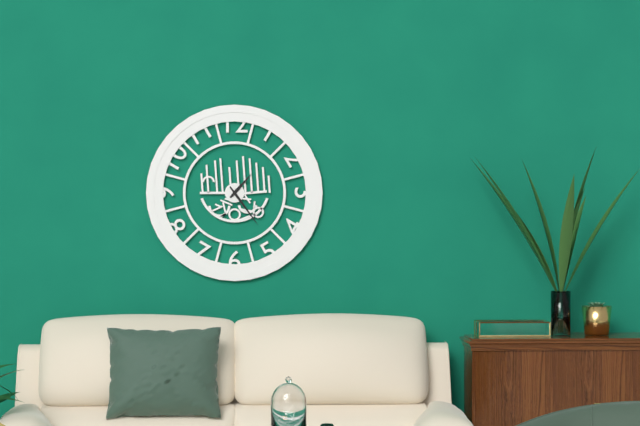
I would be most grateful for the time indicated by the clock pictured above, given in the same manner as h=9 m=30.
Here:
h=1 m=24
